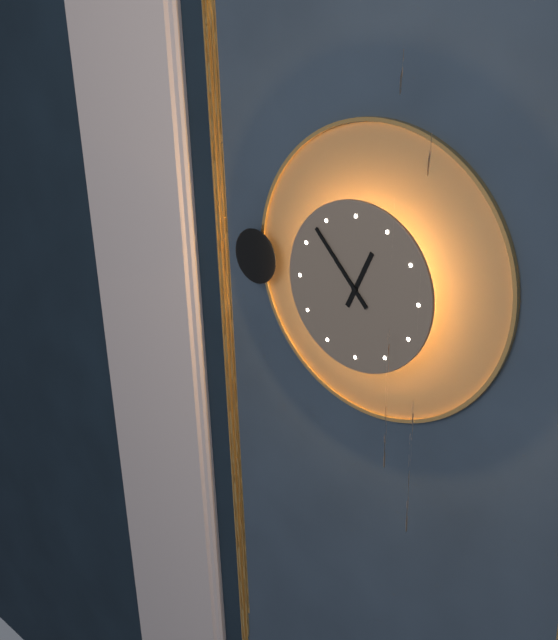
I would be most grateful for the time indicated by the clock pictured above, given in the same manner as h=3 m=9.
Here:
h=12 m=53
